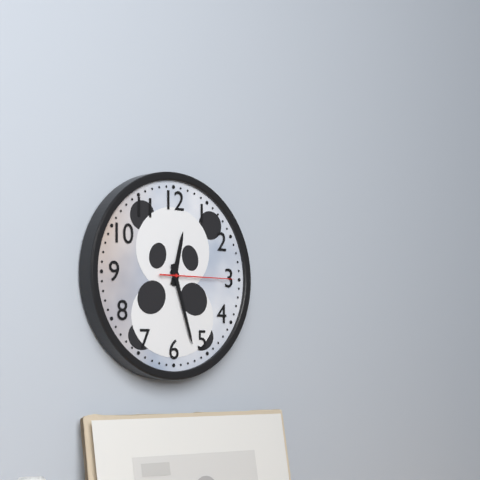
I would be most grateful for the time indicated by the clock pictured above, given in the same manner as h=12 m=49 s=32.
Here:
h=12 m=27 s=15
